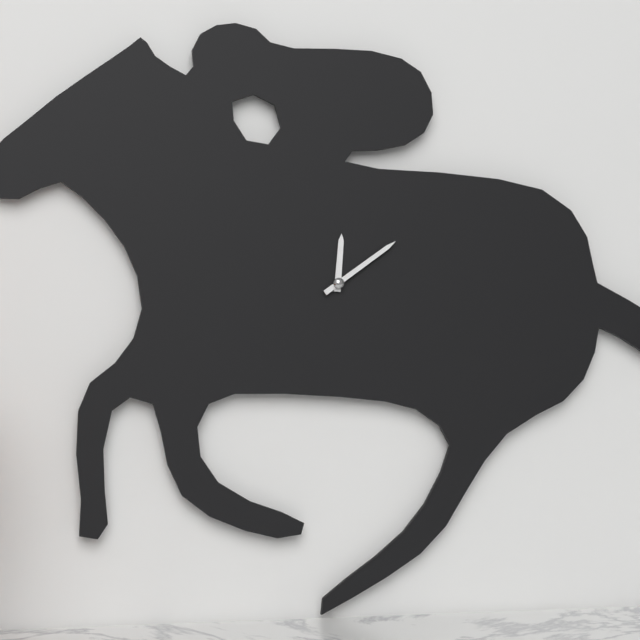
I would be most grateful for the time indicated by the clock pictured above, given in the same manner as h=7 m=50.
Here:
h=12 m=9
